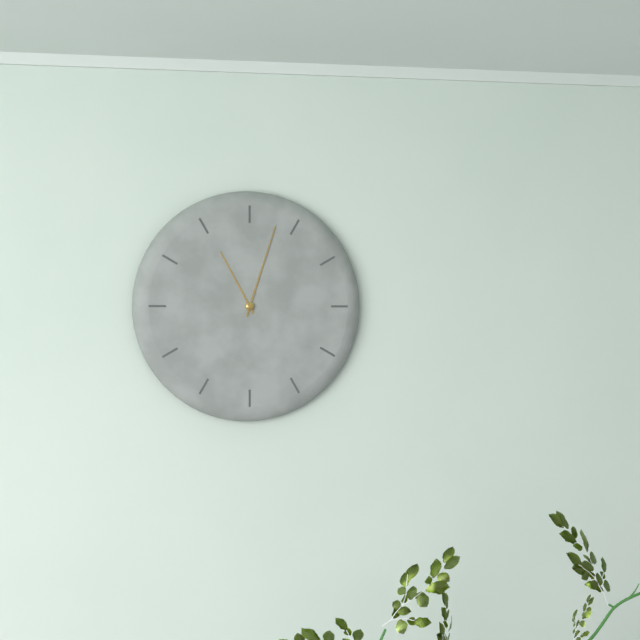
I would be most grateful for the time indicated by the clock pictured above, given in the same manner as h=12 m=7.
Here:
h=11 m=3
